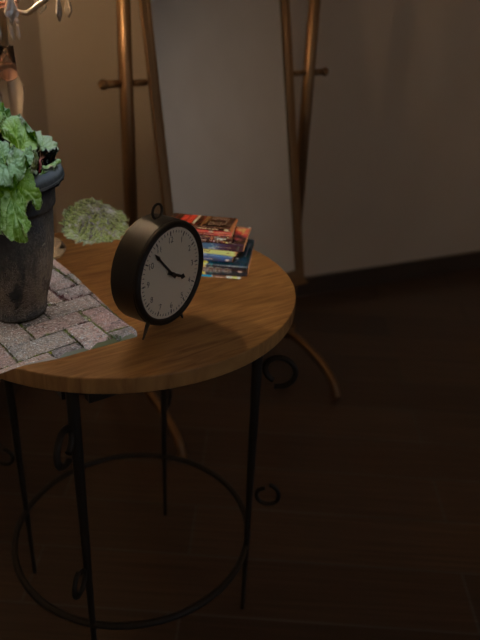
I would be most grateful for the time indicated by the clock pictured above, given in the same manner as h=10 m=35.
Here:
h=3 m=53
